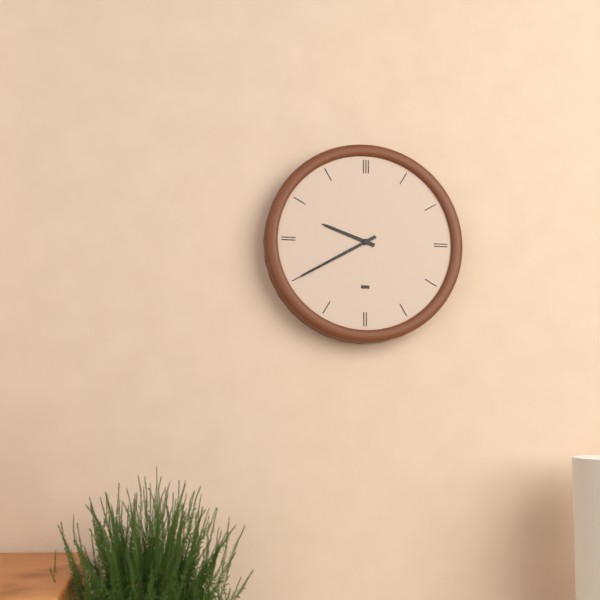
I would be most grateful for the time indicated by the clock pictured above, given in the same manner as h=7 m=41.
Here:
h=9 m=40
